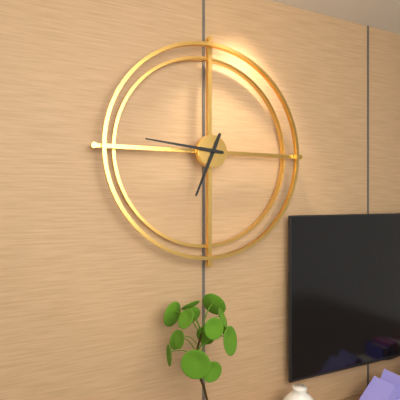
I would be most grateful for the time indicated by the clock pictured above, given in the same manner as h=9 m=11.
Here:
h=6 m=46
